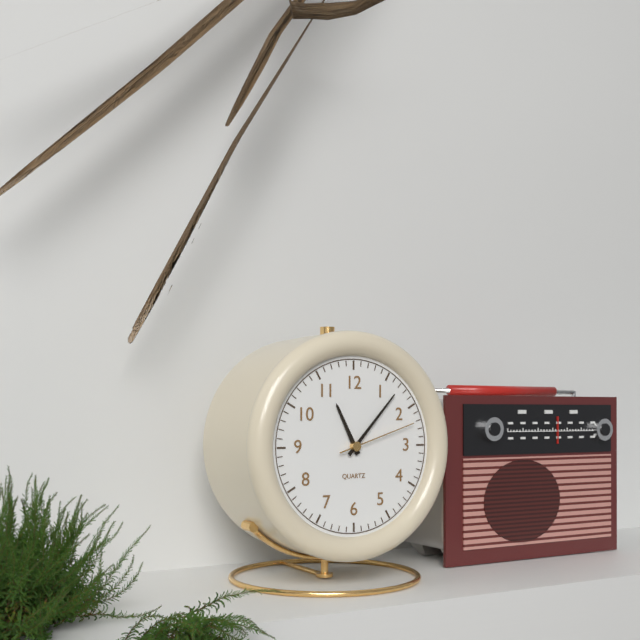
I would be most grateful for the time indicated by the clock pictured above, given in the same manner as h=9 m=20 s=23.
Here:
h=11 m=7 s=12
